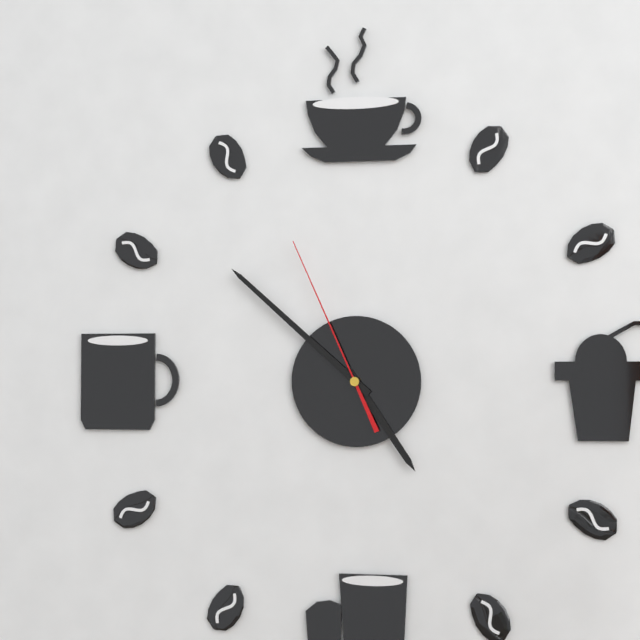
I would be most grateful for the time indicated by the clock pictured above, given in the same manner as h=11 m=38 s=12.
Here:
h=4 m=52 s=56
